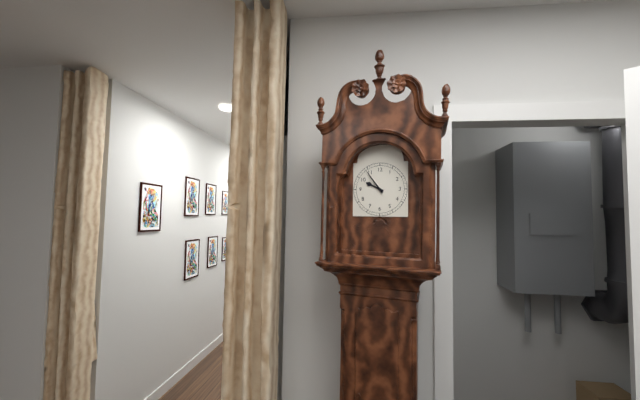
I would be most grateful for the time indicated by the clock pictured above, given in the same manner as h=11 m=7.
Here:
h=9 m=54
